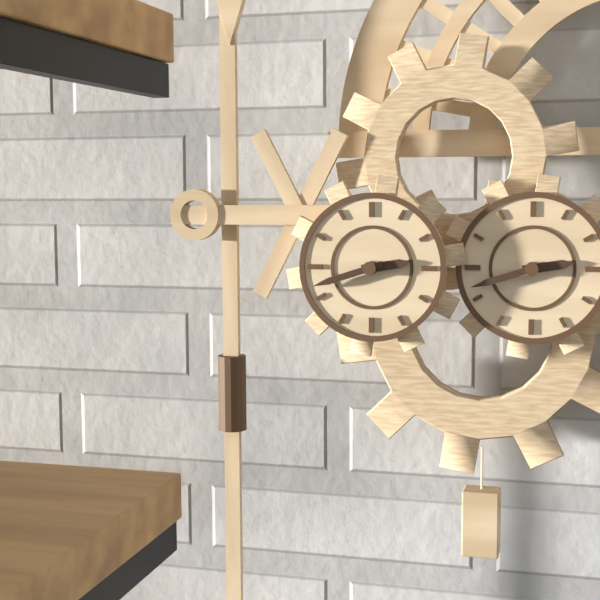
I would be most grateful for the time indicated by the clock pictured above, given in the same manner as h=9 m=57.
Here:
h=2 m=42
